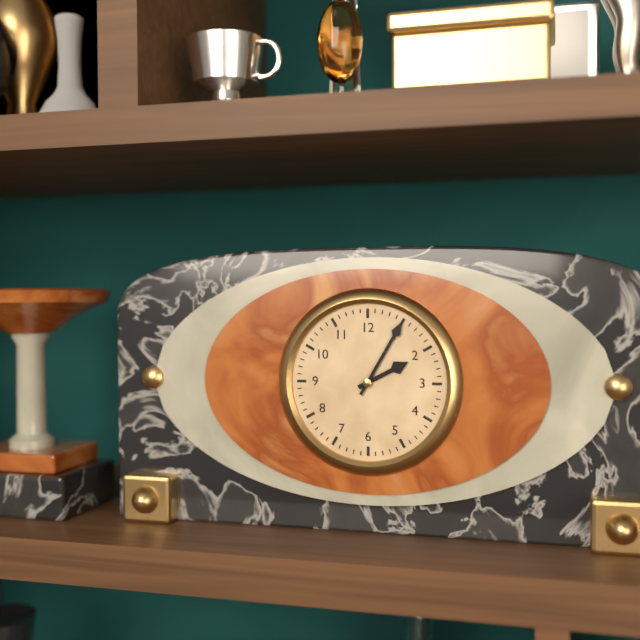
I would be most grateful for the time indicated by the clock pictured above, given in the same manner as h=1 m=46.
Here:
h=2 m=5
